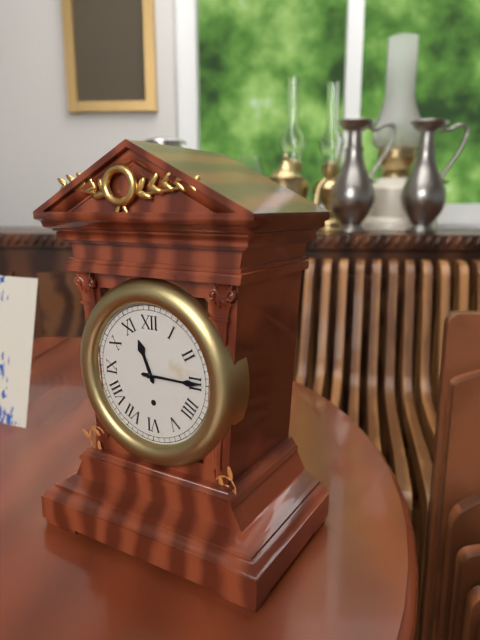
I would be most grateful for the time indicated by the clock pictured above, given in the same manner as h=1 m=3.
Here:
h=11 m=15
